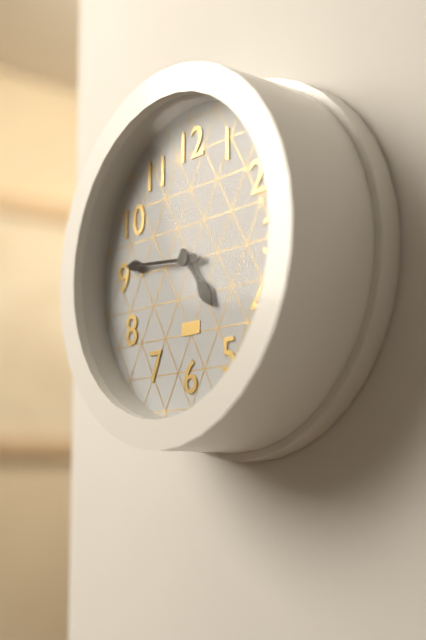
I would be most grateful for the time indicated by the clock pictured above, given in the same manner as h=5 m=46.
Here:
h=4 m=46
